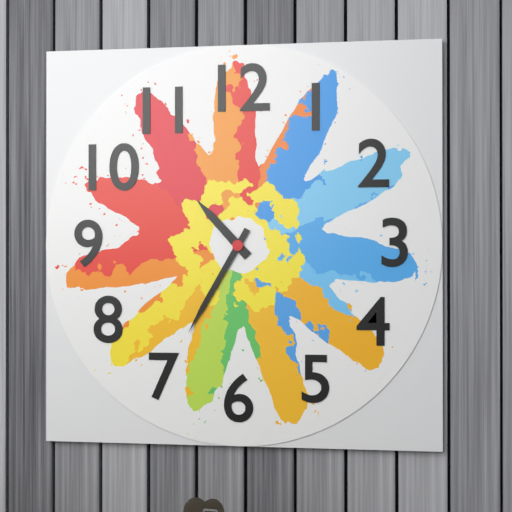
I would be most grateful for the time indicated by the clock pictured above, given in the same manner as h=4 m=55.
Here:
h=10 m=35
